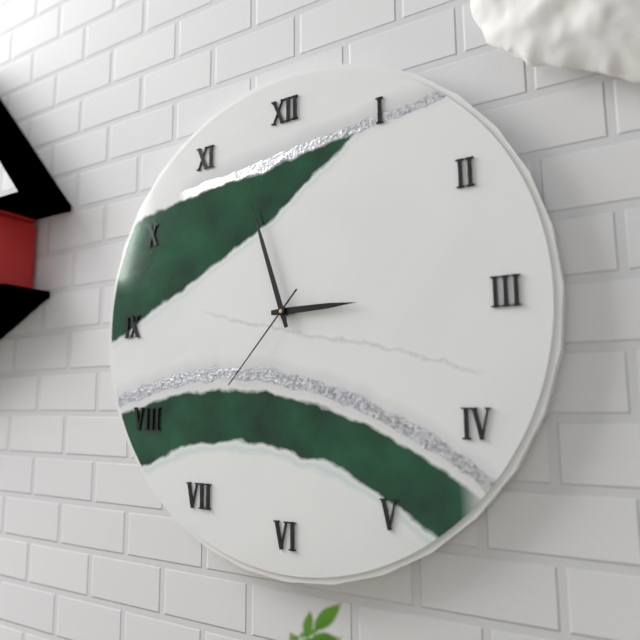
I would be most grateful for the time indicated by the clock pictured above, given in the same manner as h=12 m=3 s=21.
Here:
h=2 m=57 s=37
